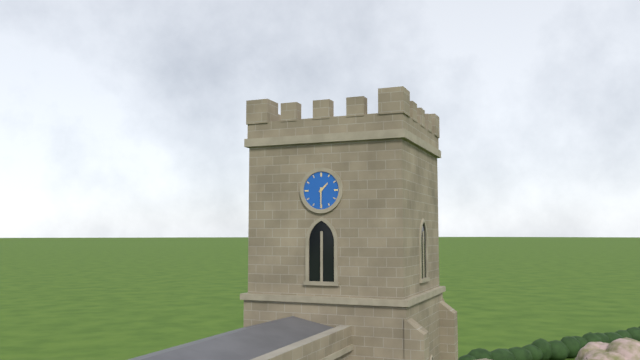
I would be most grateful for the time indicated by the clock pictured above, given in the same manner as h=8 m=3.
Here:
h=1 m=30
